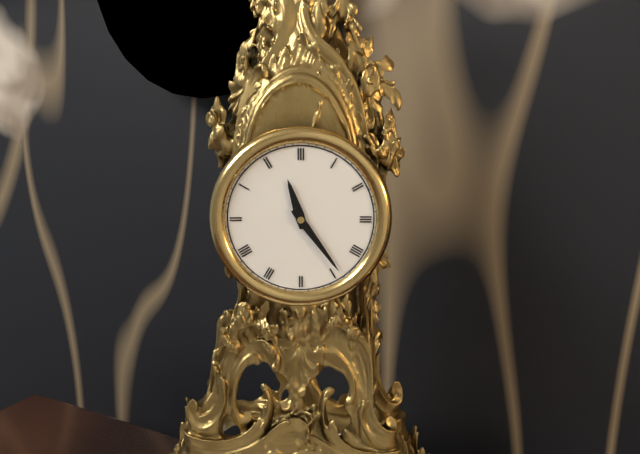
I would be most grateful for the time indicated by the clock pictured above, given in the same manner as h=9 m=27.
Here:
h=11 m=24
